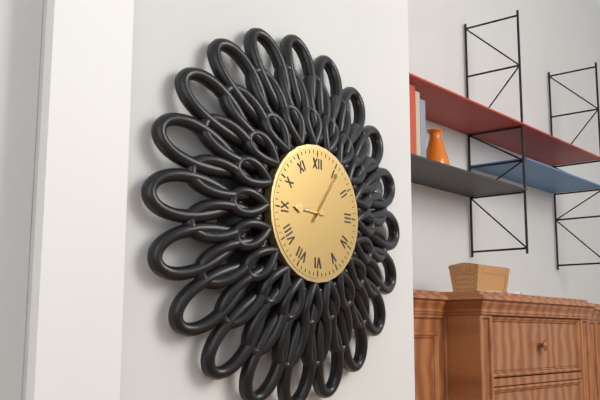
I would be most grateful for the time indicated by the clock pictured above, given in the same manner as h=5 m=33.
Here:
h=9 m=6
